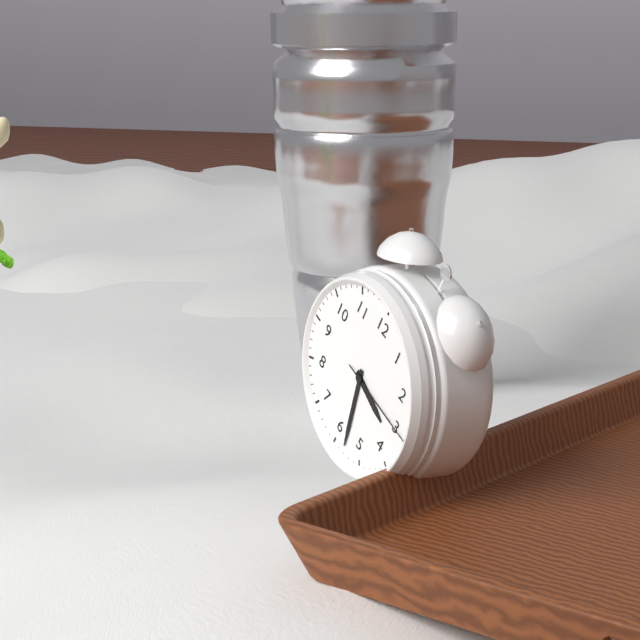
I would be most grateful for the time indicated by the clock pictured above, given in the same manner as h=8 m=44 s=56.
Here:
h=3 m=28 s=15
